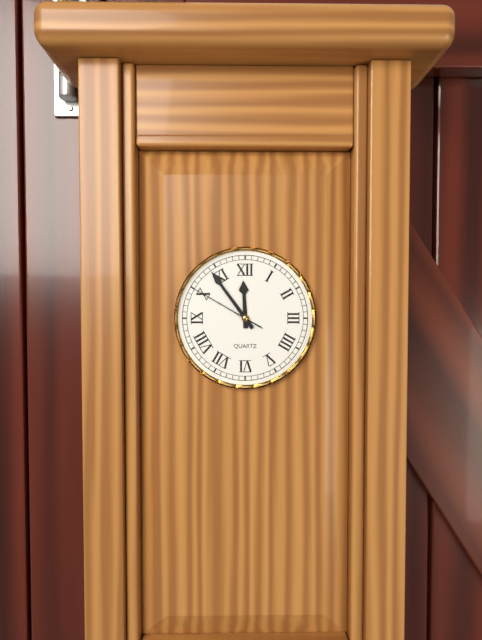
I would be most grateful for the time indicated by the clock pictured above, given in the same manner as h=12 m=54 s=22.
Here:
h=11 m=54 s=50
